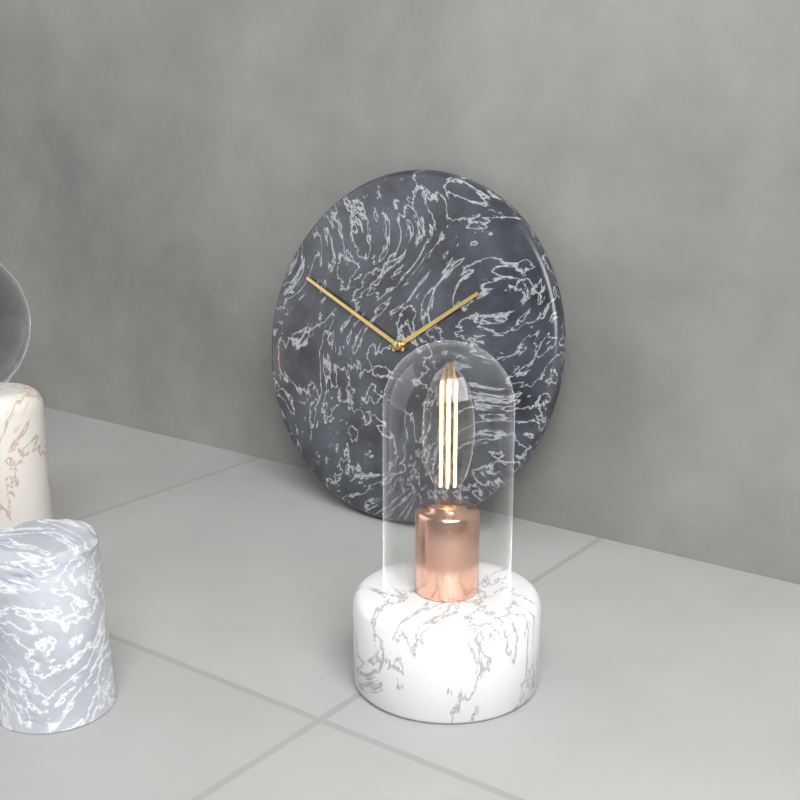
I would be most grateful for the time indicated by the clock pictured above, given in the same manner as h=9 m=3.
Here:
h=1 m=49
